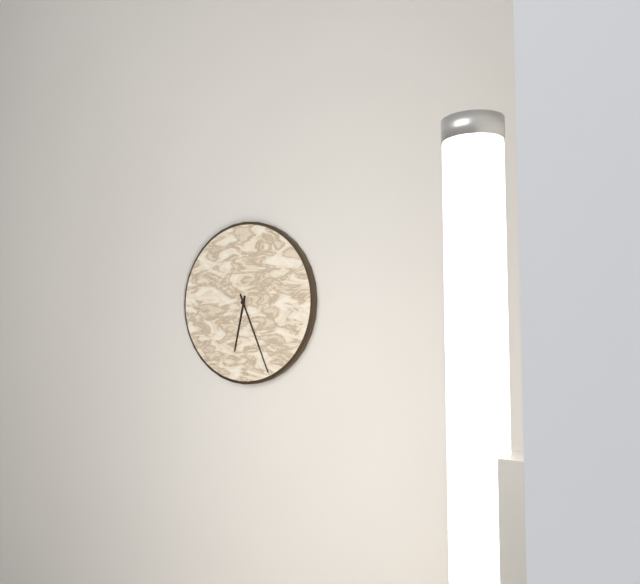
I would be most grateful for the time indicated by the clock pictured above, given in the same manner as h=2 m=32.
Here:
h=6 m=26
